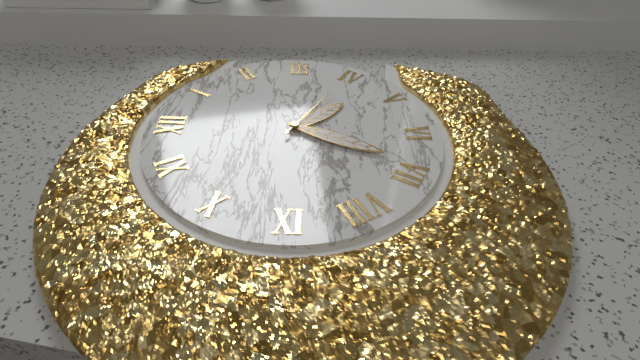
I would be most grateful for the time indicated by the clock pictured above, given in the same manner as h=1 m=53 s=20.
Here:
h=4 m=34 s=20
